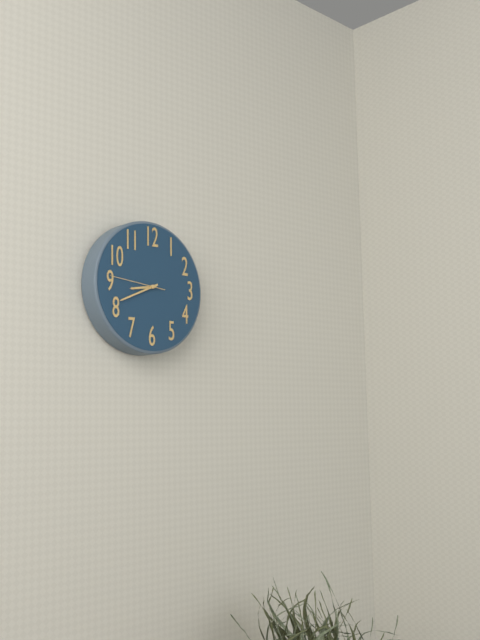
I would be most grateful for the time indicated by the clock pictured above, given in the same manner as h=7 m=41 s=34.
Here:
h=8 m=41 s=46
